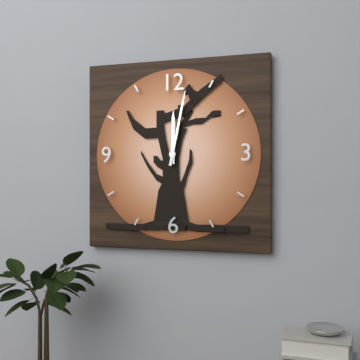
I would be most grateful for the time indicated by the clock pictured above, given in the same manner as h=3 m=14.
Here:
h=12 m=2
